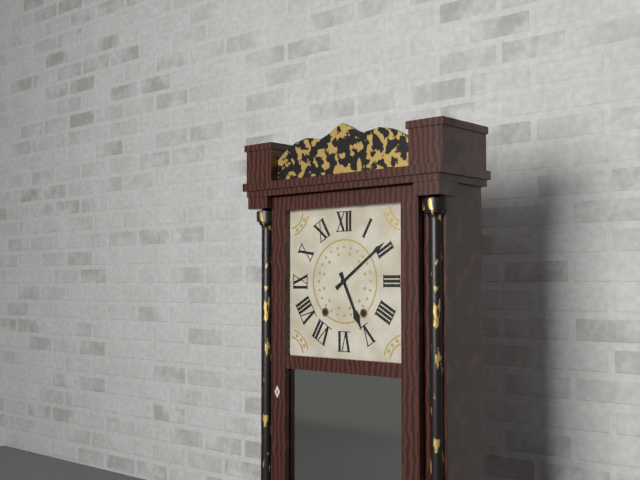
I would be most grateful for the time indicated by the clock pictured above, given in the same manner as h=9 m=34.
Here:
h=5 m=9
